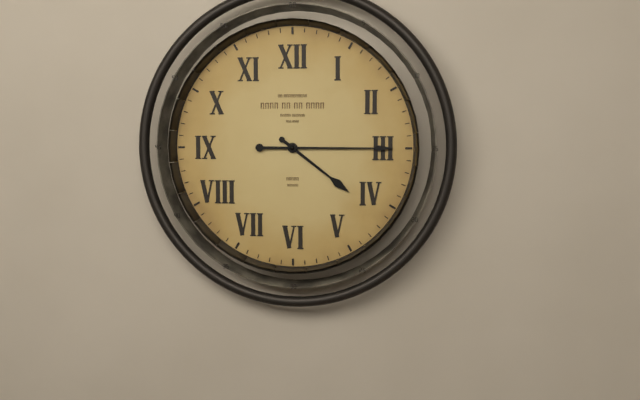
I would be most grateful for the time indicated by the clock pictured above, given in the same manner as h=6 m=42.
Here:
h=4 m=15
